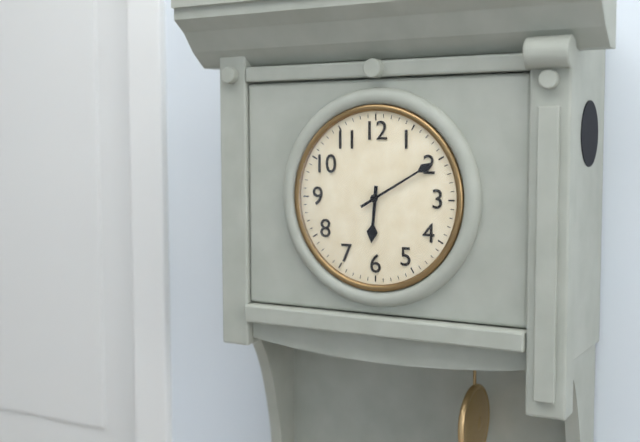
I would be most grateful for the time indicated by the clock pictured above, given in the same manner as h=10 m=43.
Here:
h=6 m=10
